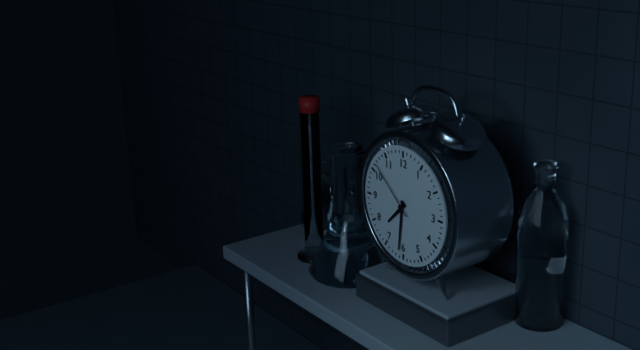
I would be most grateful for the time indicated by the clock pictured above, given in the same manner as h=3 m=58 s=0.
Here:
h=7 m=31 s=52
